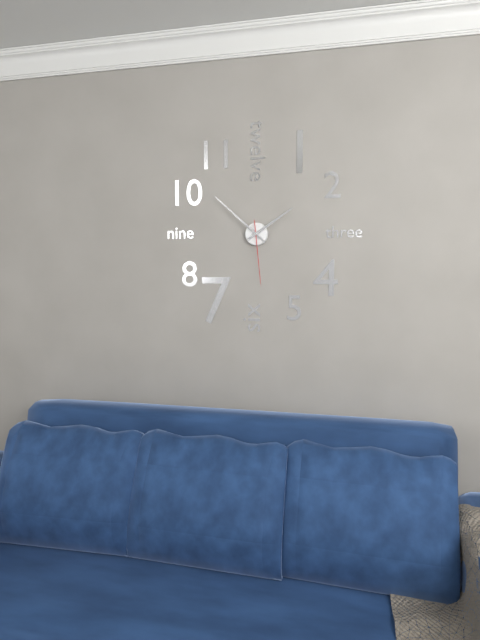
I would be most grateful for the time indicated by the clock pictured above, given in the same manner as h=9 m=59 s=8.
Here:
h=1 m=52 s=29
